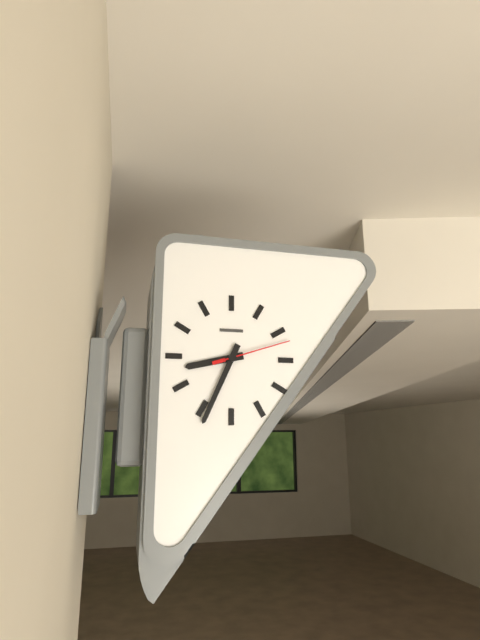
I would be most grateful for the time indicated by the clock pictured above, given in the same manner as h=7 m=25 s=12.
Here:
h=8 m=34 s=12
